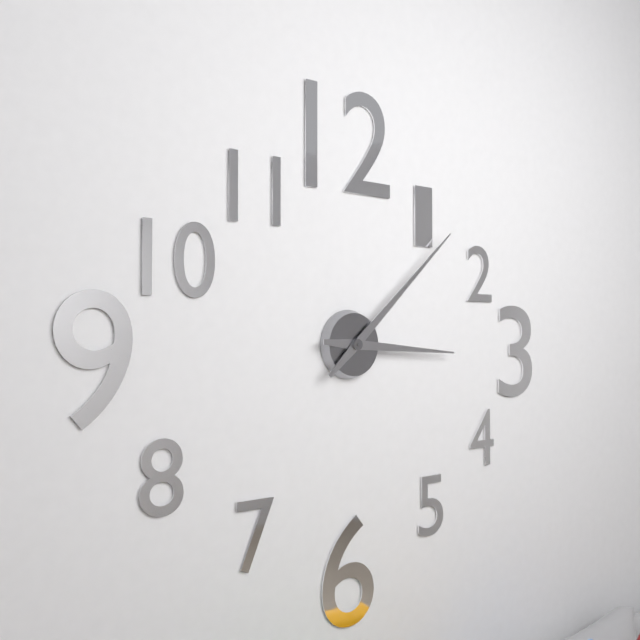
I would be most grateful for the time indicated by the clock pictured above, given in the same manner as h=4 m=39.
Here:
h=3 m=8
